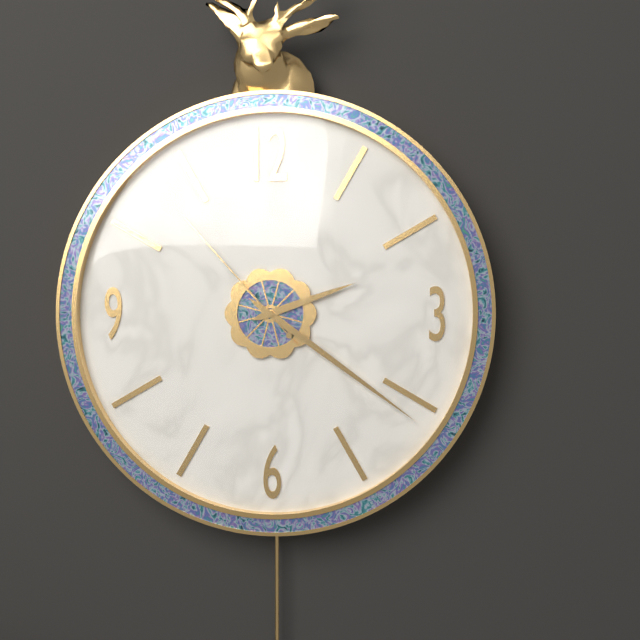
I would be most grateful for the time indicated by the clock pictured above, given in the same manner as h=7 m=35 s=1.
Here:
h=2 m=21 s=53
